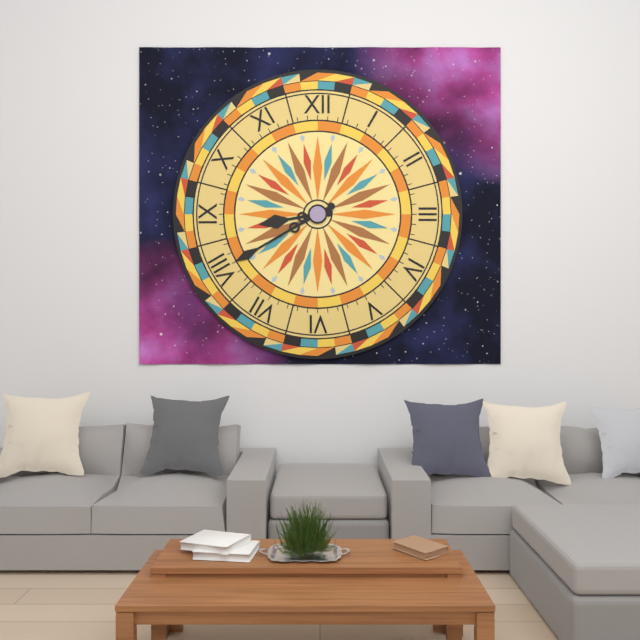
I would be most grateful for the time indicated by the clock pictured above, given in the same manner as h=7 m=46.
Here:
h=8 m=40
